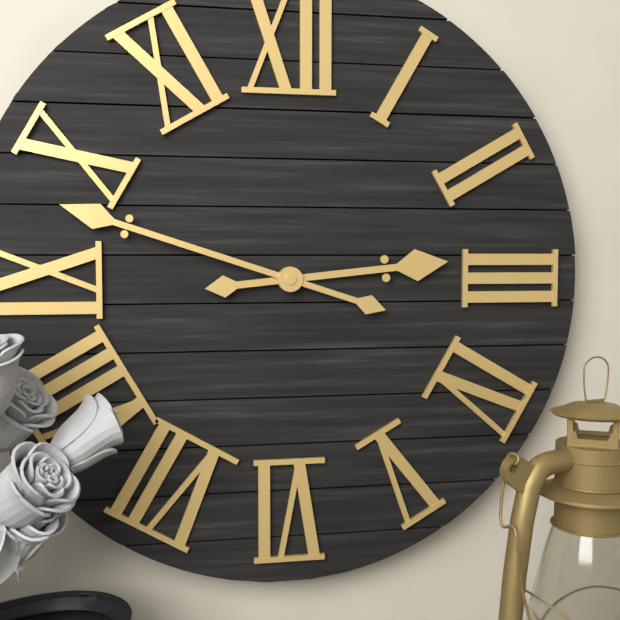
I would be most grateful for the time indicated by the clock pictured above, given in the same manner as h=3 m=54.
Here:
h=2 m=48
